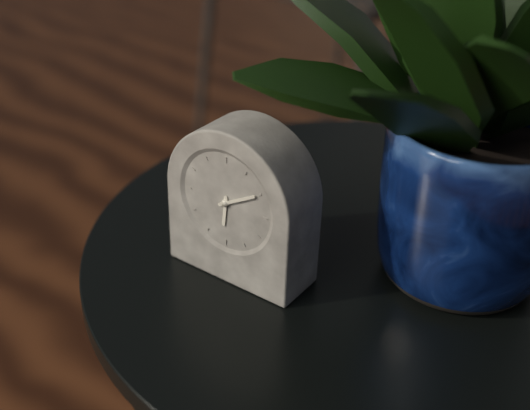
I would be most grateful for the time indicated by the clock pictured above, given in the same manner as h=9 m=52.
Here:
h=6 m=10
